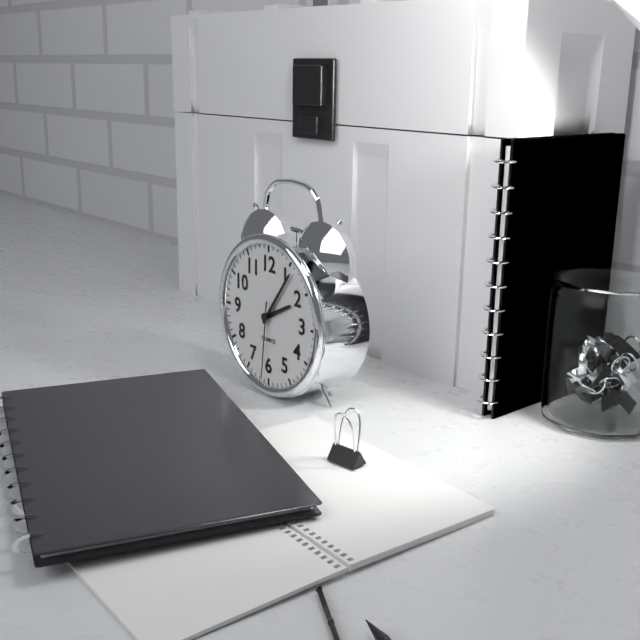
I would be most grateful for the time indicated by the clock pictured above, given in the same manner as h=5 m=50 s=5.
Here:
h=2 m=6 s=31
